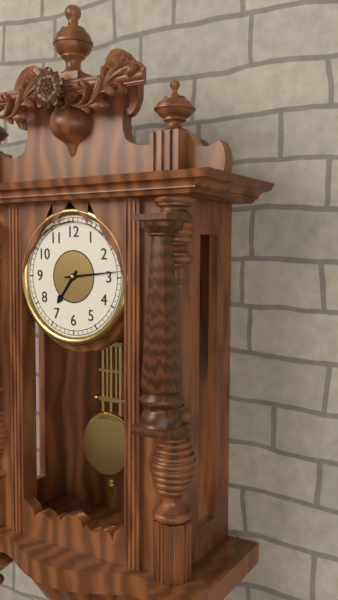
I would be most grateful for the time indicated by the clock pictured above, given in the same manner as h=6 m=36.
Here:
h=7 m=14
